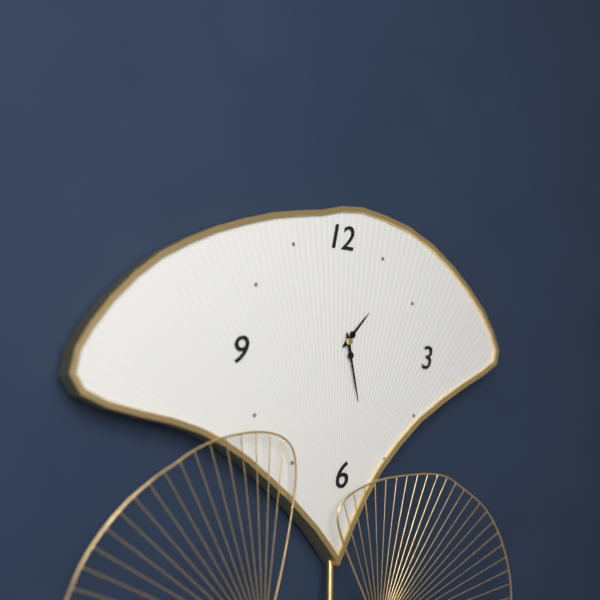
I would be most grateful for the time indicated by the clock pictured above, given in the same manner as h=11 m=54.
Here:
h=1 m=28
